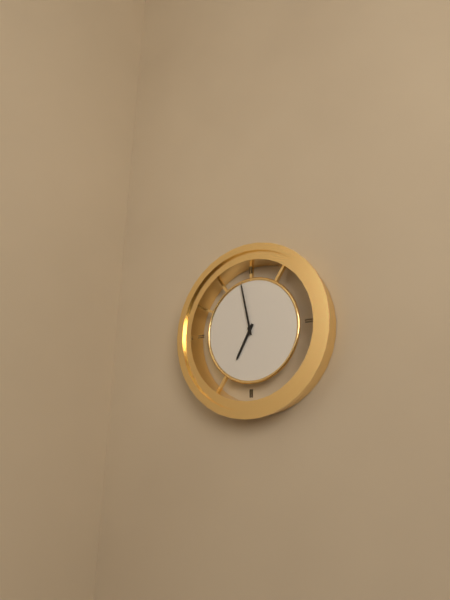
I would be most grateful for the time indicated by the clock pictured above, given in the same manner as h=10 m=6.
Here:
h=6 m=58
